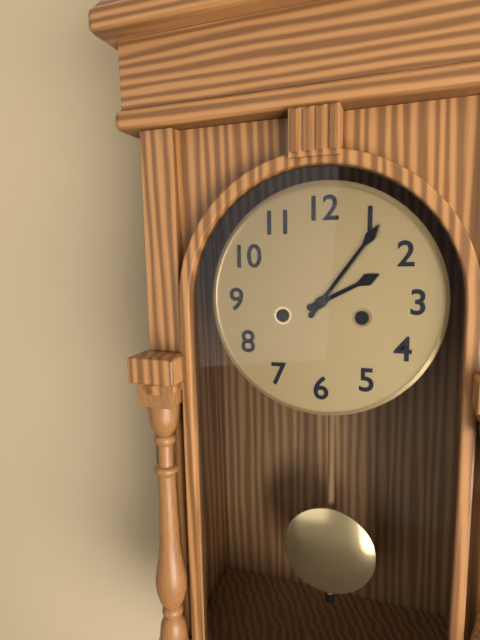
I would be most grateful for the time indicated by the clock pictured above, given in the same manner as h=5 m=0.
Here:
h=2 m=6
